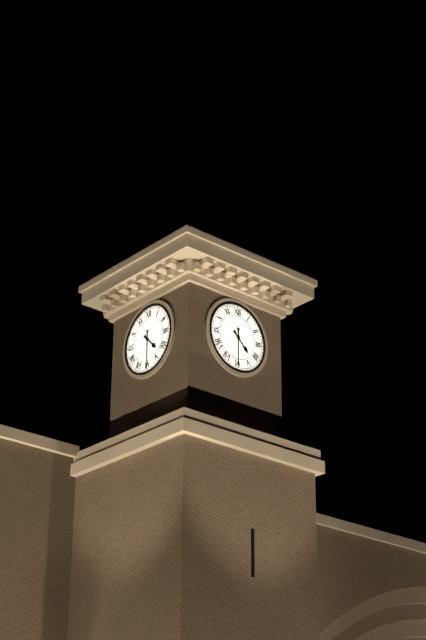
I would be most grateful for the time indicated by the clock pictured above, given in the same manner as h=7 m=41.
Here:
h=4 m=30
